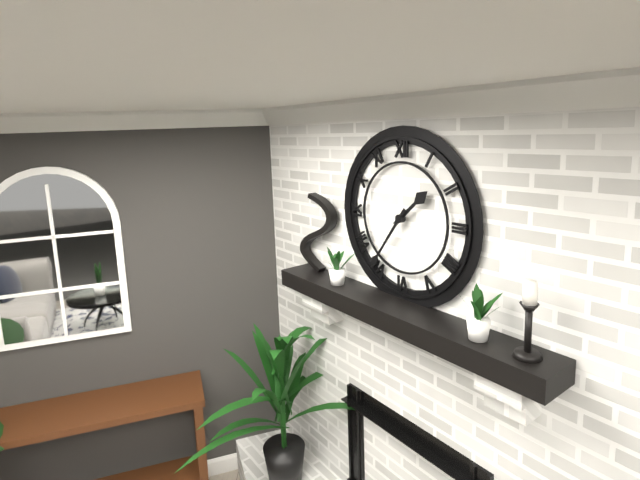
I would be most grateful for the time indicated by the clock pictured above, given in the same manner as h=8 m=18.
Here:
h=1 m=36
